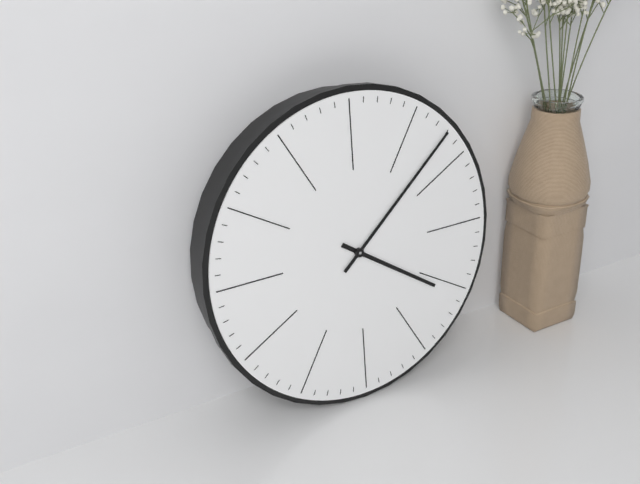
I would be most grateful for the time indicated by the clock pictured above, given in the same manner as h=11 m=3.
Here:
h=4 m=8
